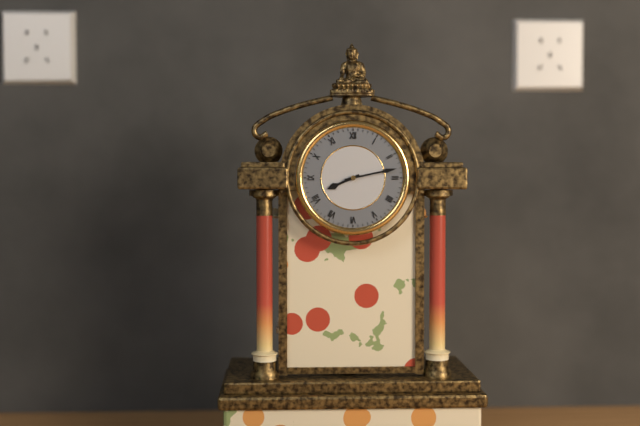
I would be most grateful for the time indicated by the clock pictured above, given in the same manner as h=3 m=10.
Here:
h=8 m=13
